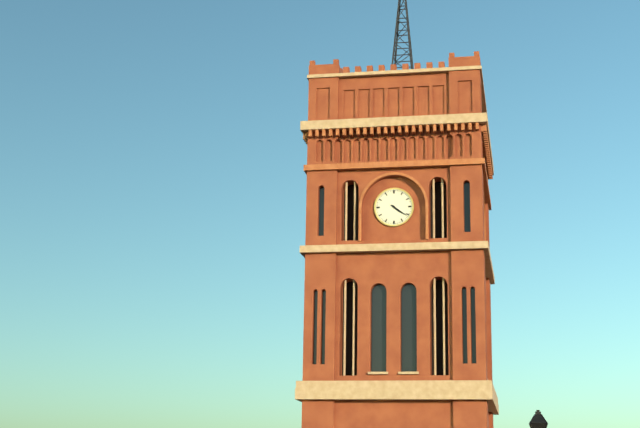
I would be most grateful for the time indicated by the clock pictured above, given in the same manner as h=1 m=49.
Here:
h=4 m=21
